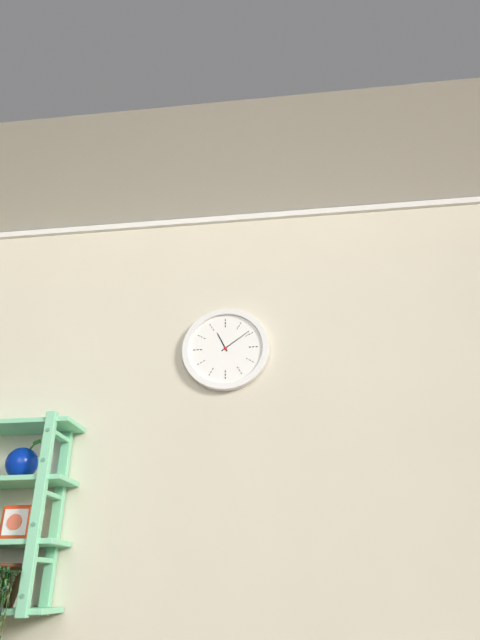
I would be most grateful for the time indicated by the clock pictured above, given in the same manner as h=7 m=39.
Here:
h=11 m=9
